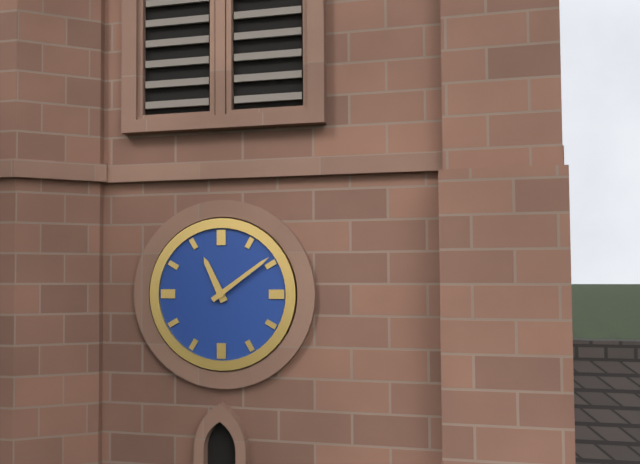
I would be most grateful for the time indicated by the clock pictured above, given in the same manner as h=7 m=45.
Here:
h=11 m=9
